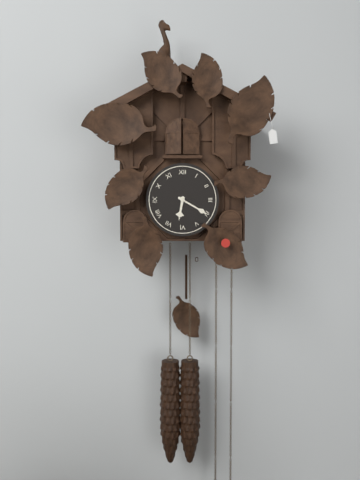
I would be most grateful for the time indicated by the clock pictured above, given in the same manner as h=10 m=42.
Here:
h=6 m=20
